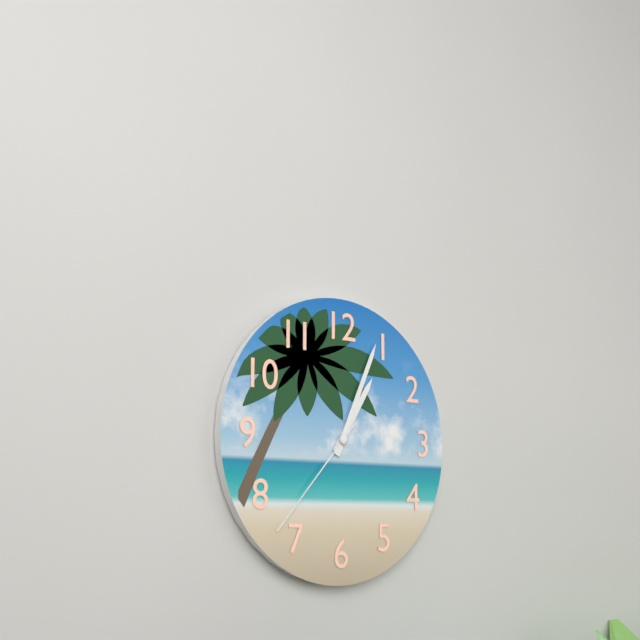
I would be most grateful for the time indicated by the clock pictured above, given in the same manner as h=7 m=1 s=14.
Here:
h=1 m=4 s=37
